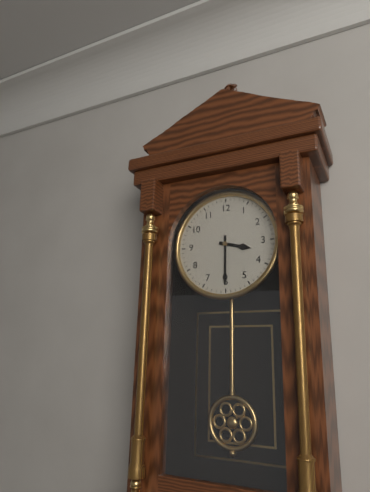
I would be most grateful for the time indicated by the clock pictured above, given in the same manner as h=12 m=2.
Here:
h=3 m=30
